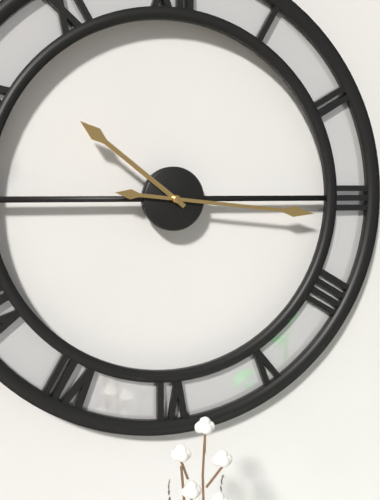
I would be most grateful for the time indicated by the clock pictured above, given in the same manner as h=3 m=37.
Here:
h=10 m=16
